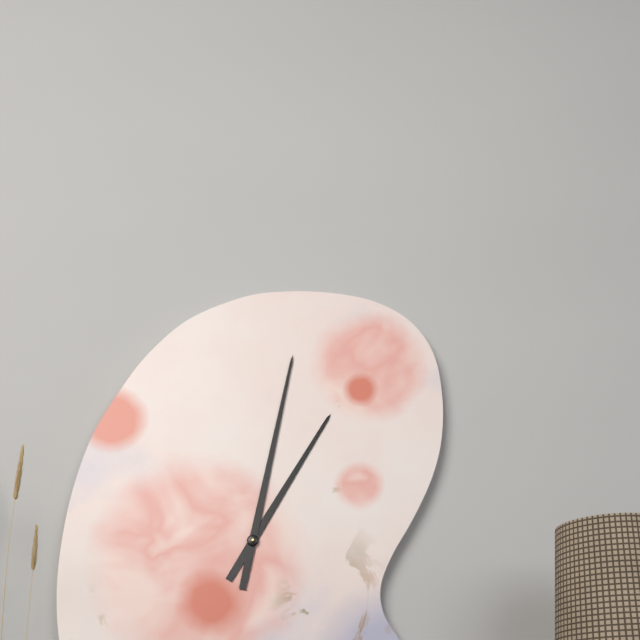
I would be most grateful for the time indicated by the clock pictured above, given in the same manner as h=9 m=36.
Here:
h=1 m=2
